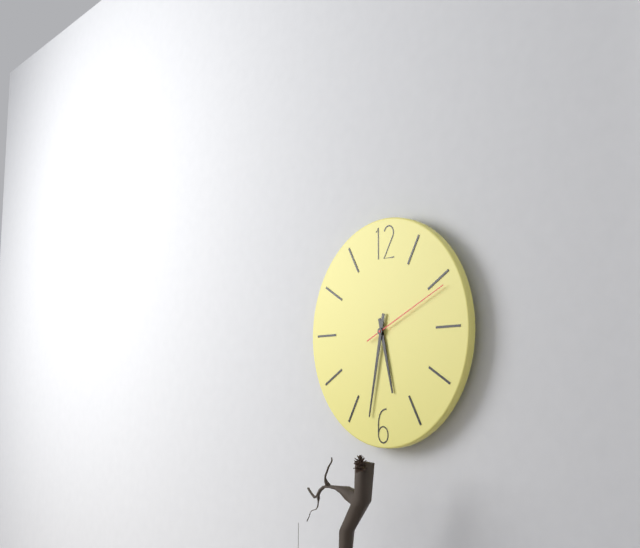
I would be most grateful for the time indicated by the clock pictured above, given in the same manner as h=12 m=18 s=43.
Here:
h=5 m=32 s=11
